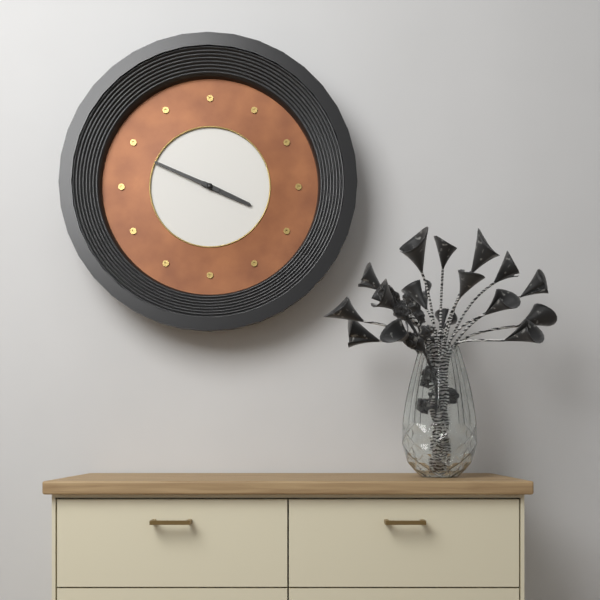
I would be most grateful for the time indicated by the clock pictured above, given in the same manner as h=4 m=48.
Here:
h=3 m=49
